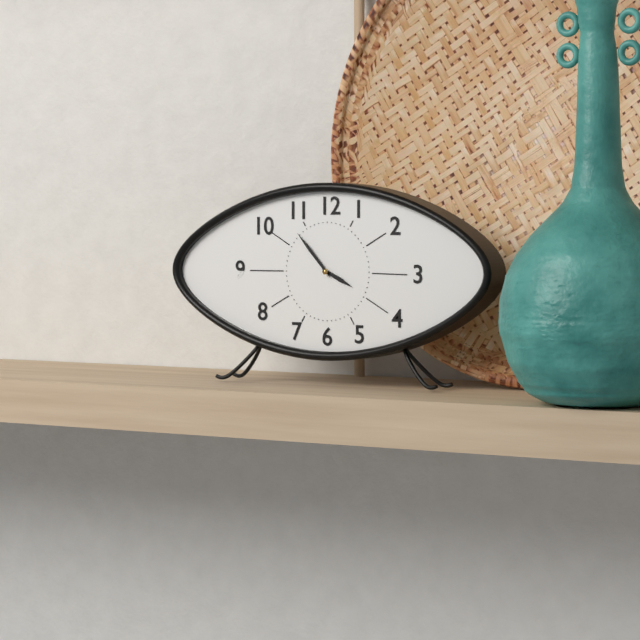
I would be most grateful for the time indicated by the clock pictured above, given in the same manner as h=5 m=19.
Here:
h=3 m=53
